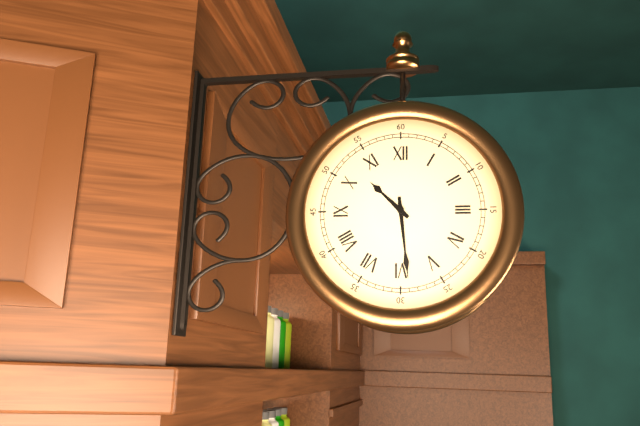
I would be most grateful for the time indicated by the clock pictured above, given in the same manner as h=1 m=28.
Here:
h=10 m=29
